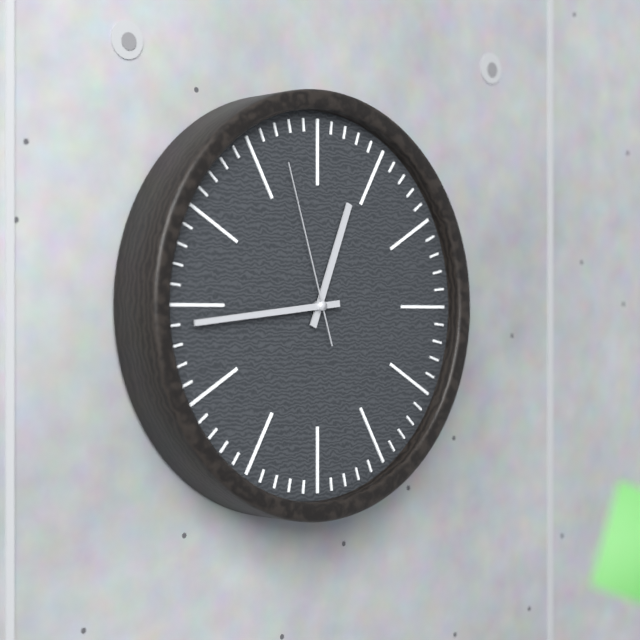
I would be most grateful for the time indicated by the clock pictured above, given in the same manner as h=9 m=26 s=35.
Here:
h=12 m=44 s=57
